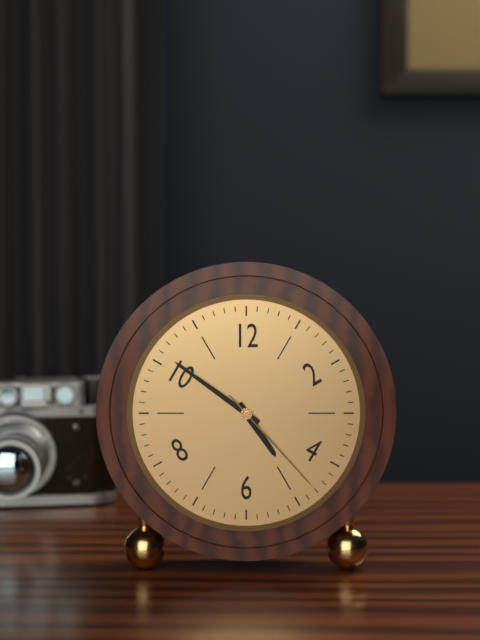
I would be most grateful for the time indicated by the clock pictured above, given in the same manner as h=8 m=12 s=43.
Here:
h=4 m=51 s=23
